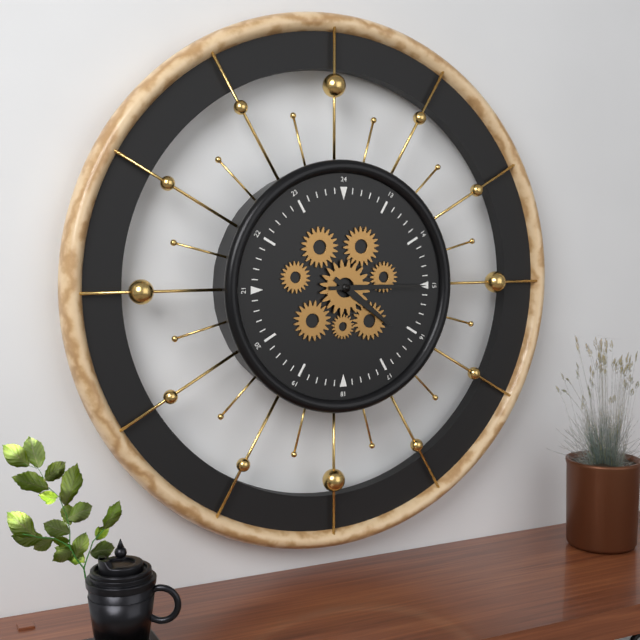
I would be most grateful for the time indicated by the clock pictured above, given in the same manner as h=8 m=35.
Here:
h=4 m=15
